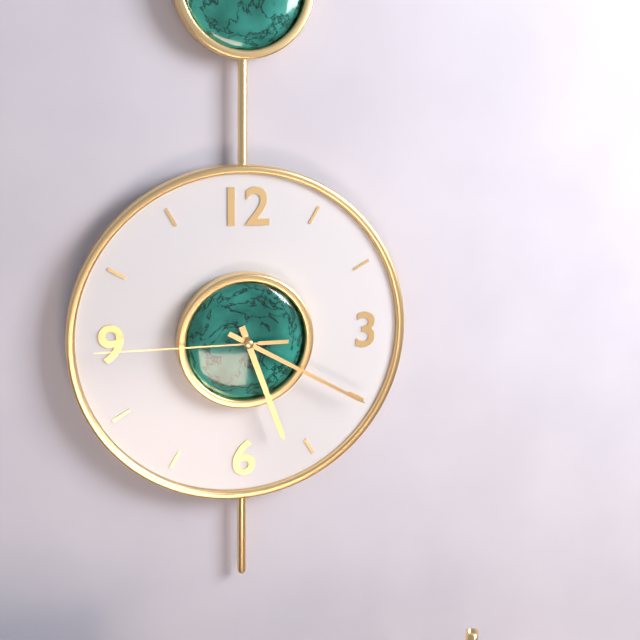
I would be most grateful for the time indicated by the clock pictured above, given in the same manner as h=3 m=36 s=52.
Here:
h=5 m=20 s=45
